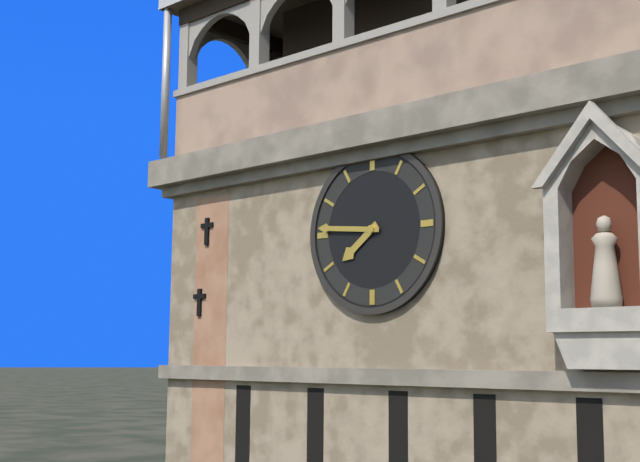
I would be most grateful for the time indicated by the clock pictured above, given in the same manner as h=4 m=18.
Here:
h=7 m=46
